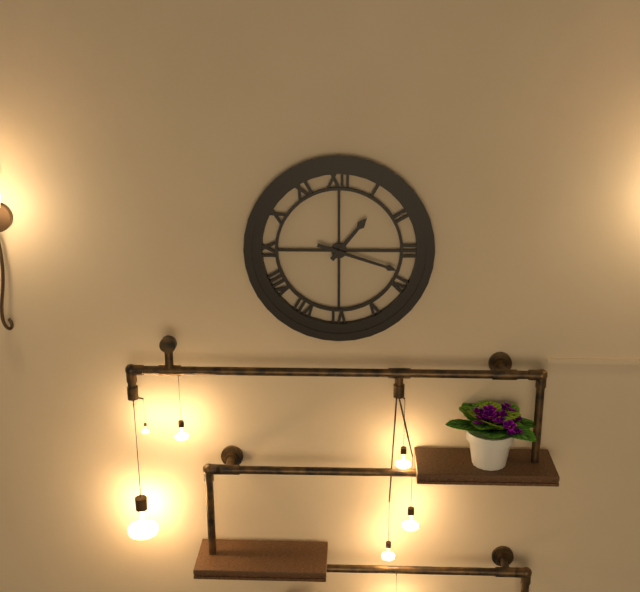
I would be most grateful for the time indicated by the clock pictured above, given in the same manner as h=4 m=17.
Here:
h=1 m=18
